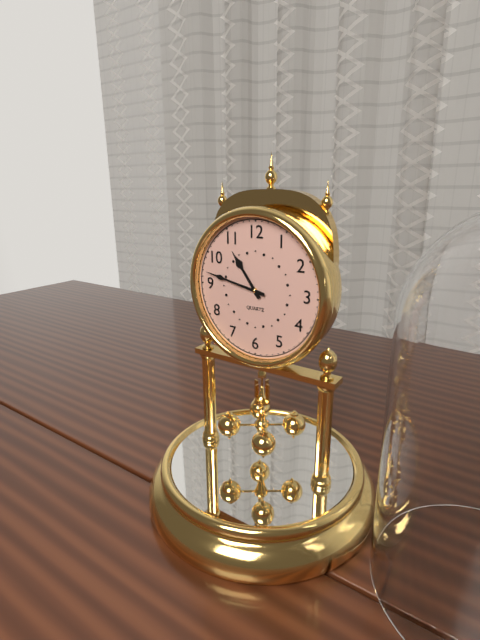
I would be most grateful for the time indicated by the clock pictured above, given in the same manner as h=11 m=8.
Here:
h=10 m=47
